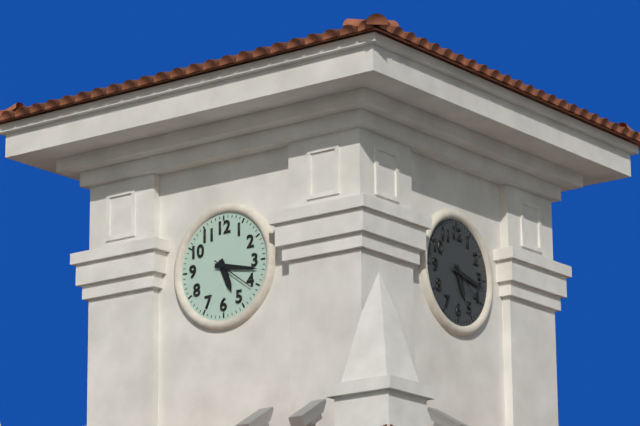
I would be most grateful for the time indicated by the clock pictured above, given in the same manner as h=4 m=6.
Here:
h=5 m=17
